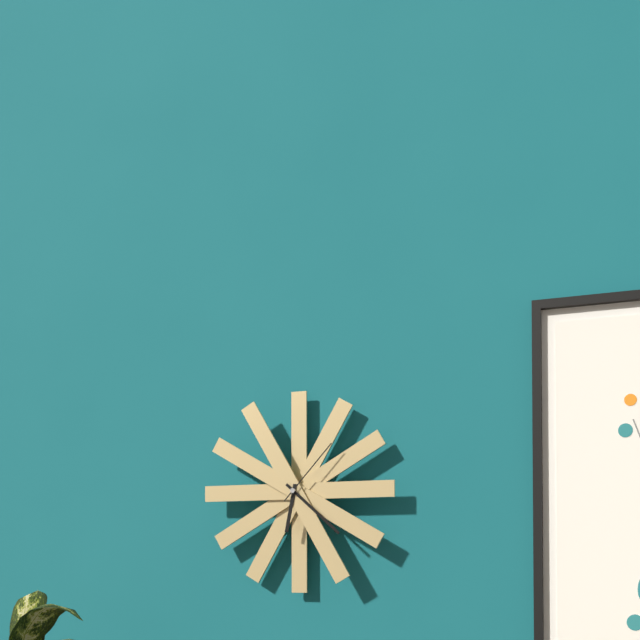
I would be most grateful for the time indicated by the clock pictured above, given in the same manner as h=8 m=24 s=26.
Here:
h=6 m=22 s=7
